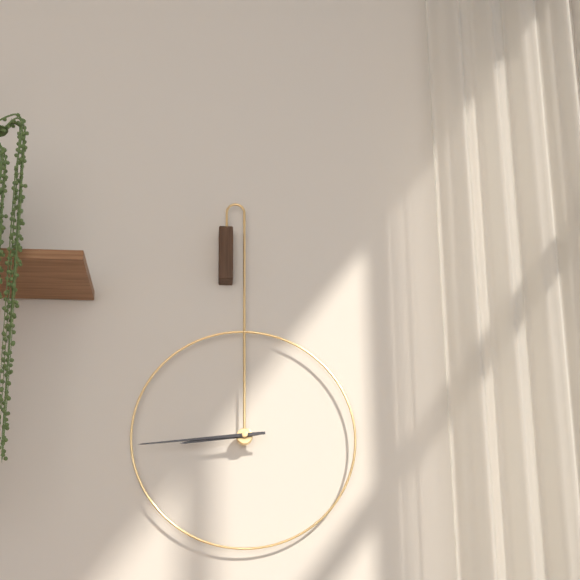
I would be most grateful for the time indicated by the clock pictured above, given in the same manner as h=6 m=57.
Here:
h=8 m=44
